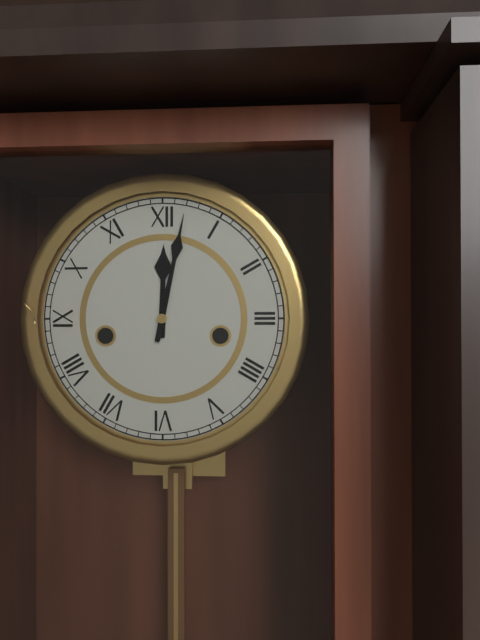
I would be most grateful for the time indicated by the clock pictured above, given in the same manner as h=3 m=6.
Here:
h=12 m=2
